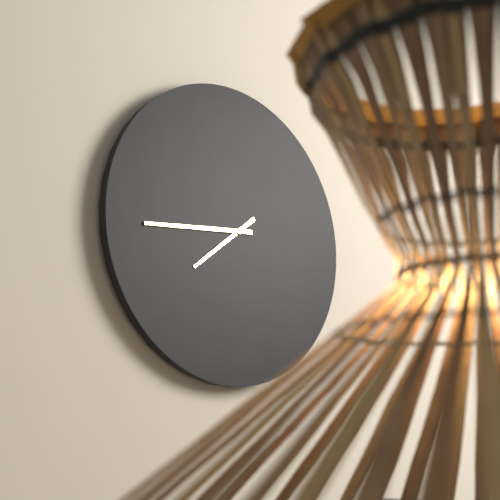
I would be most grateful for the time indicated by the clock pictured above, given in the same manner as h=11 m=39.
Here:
h=7 m=44
